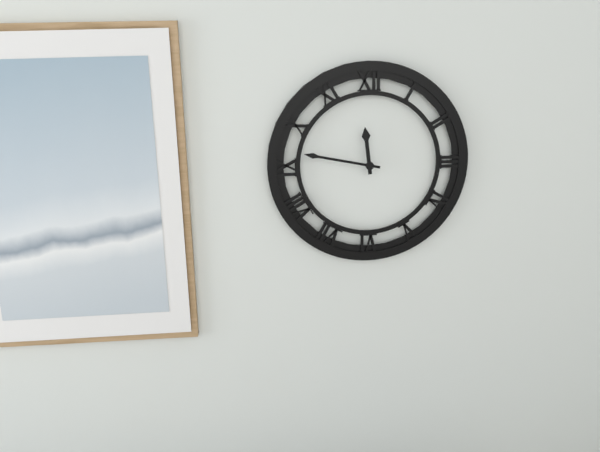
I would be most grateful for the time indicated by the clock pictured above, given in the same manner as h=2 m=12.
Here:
h=11 m=47
